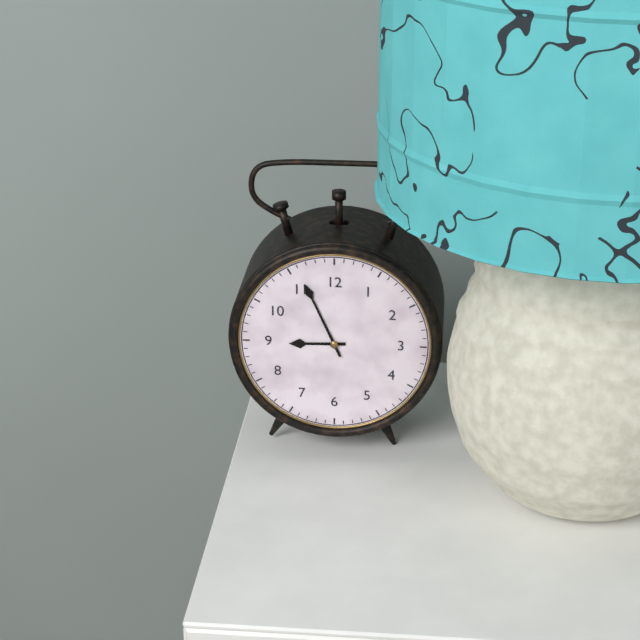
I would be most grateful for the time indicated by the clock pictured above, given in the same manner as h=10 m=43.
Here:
h=8 m=56
